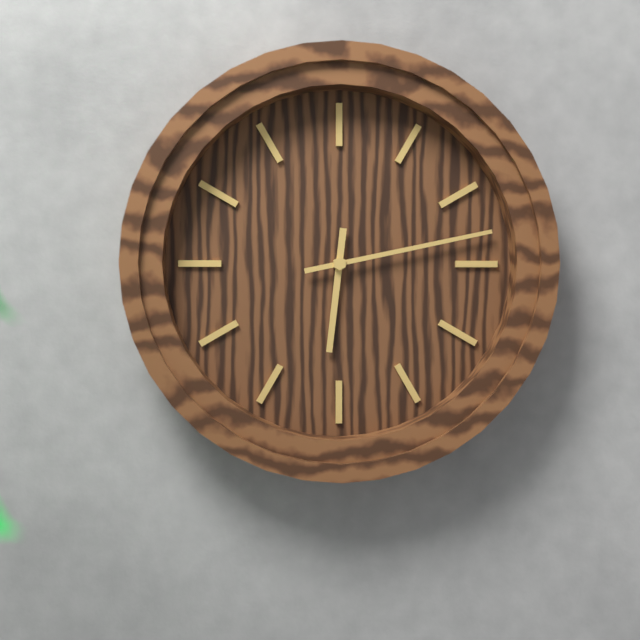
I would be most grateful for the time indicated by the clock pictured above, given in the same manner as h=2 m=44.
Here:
h=6 m=13
